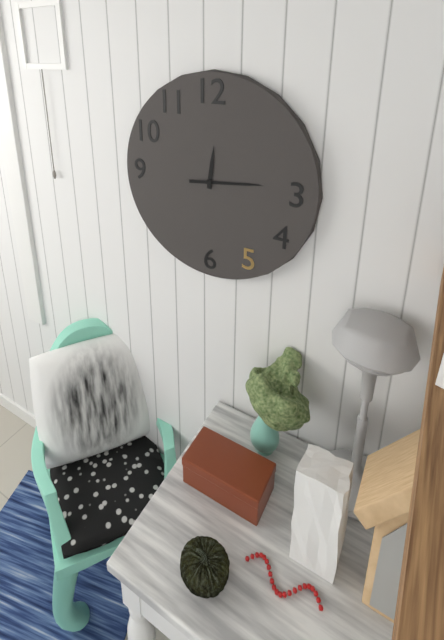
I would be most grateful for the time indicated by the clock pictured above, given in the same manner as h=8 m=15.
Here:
h=12 m=14
